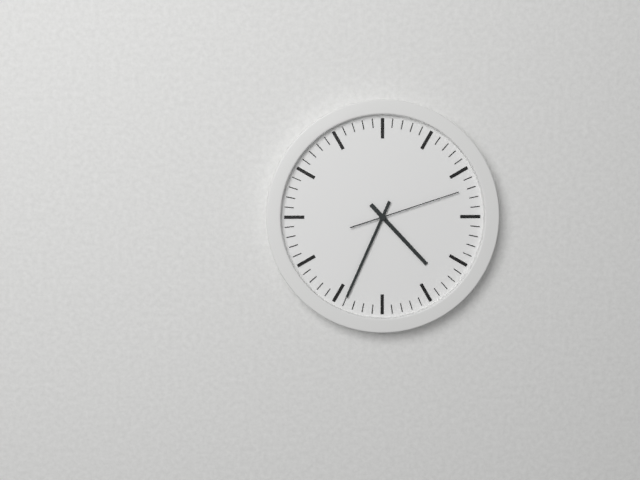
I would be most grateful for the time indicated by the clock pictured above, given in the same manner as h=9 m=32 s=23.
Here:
h=4 m=34 s=12
